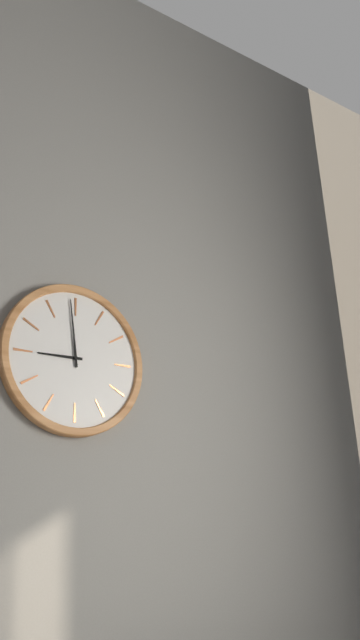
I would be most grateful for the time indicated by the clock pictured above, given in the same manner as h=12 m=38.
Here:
h=8 m=59
